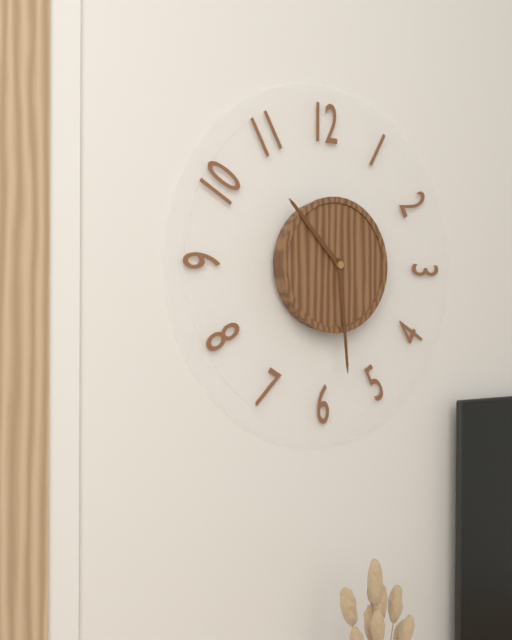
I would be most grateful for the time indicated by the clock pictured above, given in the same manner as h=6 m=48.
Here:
h=10 m=29
